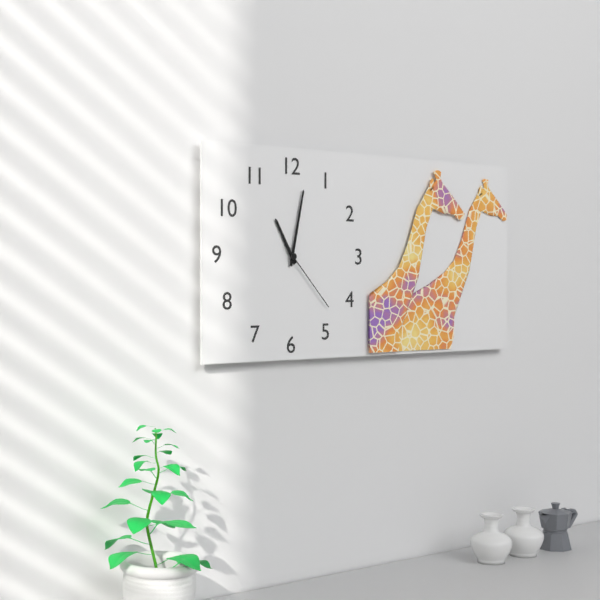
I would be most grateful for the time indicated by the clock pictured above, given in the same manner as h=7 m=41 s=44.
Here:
h=11 m=2 s=23
